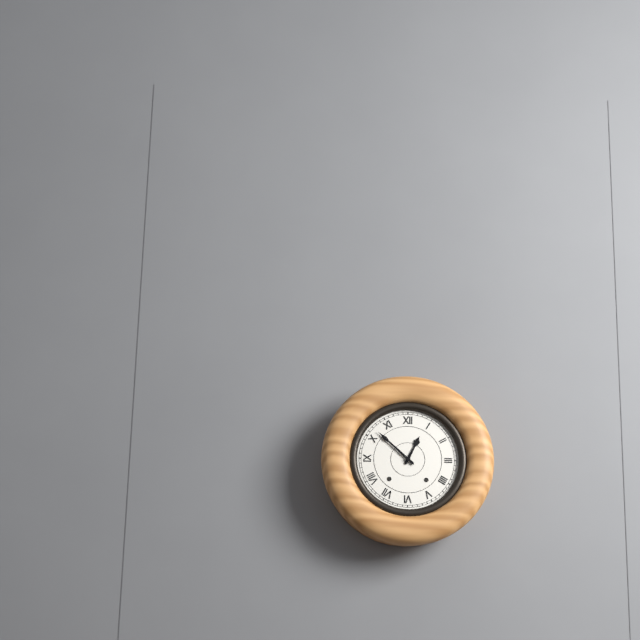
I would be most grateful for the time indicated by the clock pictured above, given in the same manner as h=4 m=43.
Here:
h=12 m=52
